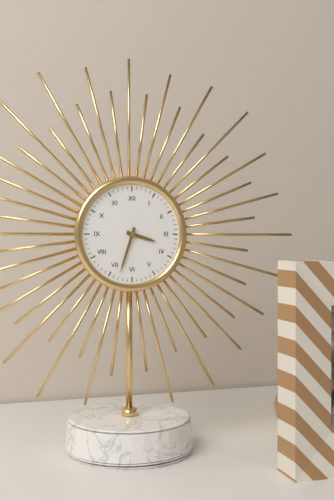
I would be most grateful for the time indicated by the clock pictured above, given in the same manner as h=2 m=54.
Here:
h=3 m=33
